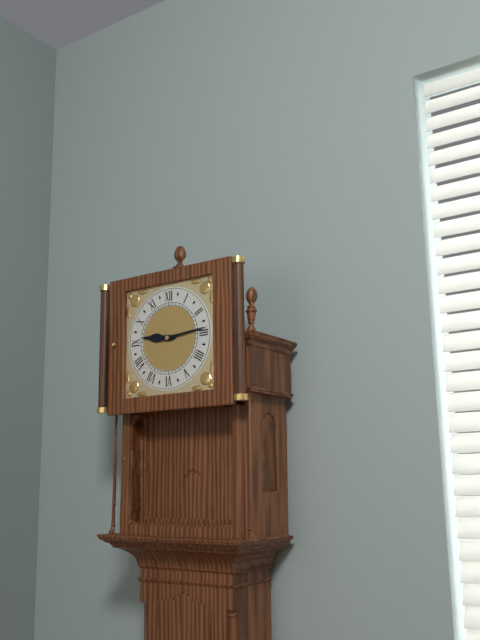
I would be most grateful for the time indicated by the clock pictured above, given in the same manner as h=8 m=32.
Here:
h=9 m=14
